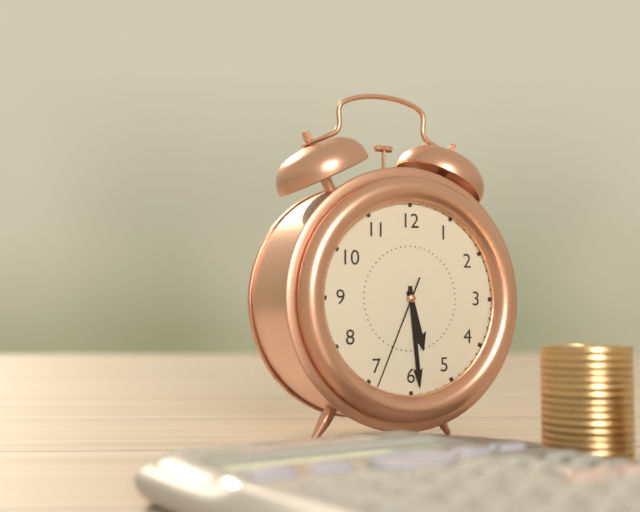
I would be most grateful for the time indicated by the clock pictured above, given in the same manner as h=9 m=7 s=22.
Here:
h=5 m=29 s=34
